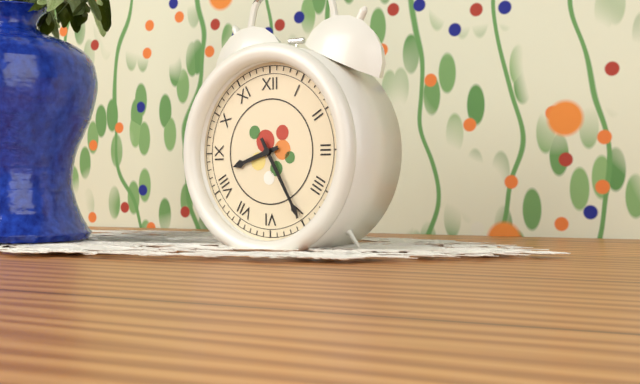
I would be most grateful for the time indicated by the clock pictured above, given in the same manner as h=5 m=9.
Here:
h=8 m=25
